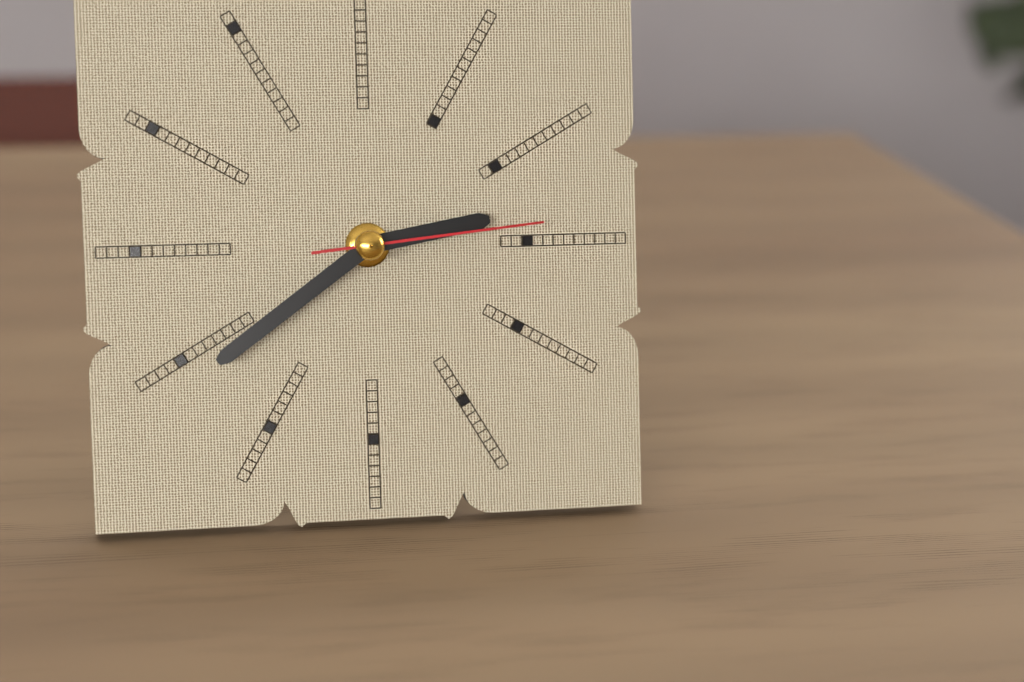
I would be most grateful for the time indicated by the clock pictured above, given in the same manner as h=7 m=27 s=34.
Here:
h=2 m=39 s=14
